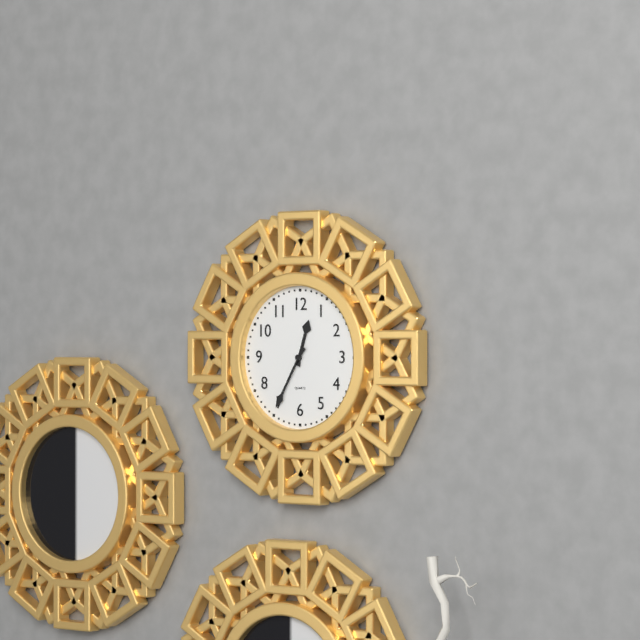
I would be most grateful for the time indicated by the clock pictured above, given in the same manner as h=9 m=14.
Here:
h=12 m=35
